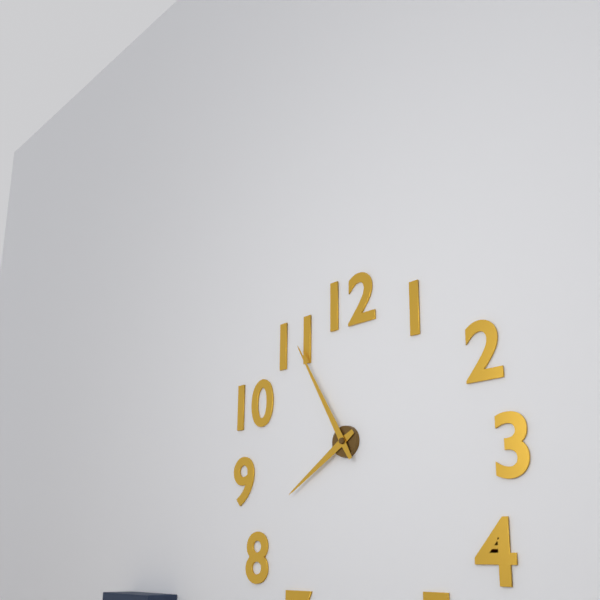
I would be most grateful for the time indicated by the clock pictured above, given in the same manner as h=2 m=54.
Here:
h=7 m=55
